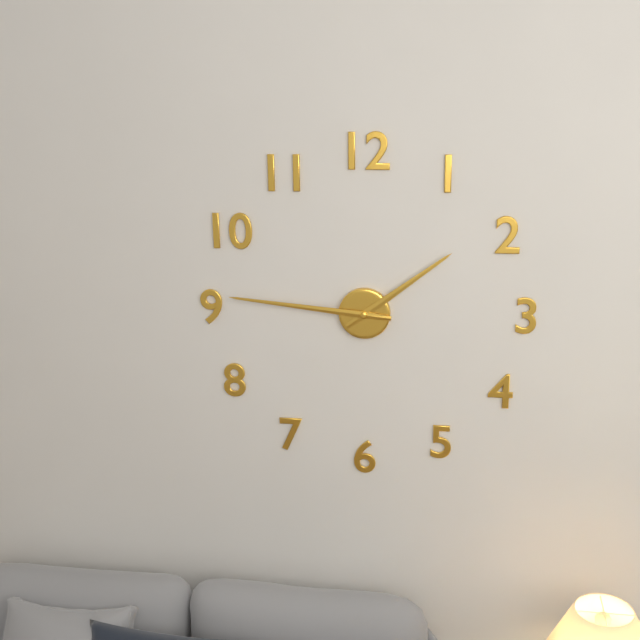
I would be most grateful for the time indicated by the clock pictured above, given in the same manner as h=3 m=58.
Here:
h=1 m=46
